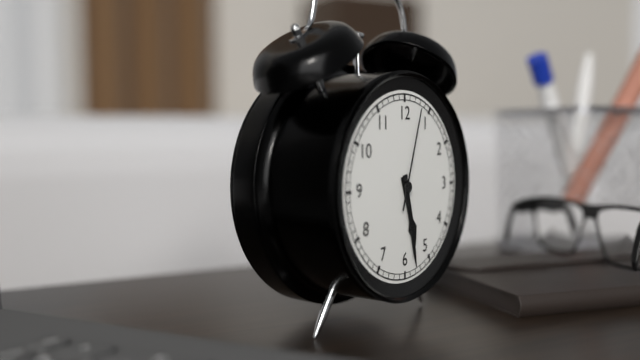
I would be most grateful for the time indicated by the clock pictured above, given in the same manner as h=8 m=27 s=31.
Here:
h=5 m=28 s=3
